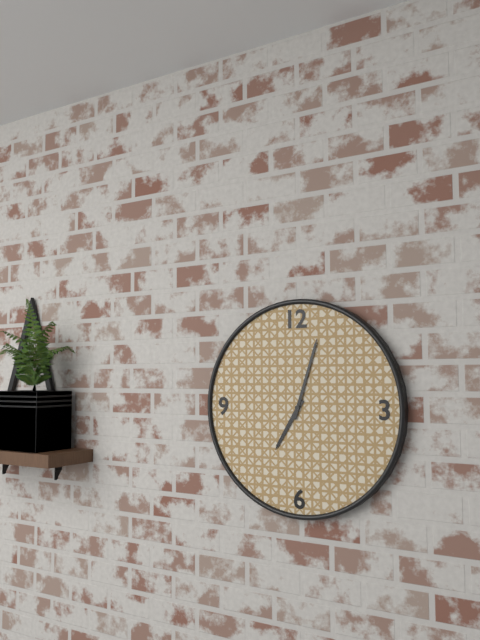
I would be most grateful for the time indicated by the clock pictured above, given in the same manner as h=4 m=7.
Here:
h=7 m=3
